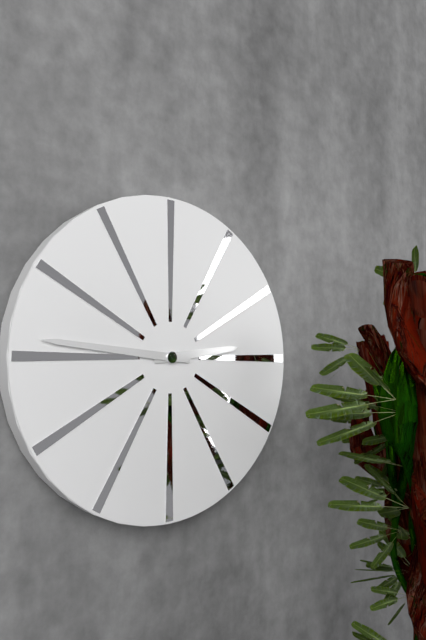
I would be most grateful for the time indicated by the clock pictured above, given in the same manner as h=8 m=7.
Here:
h=2 m=46
